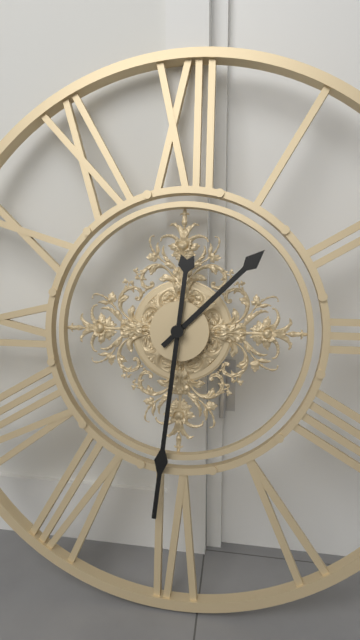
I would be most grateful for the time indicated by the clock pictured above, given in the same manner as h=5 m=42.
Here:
h=1 m=31
